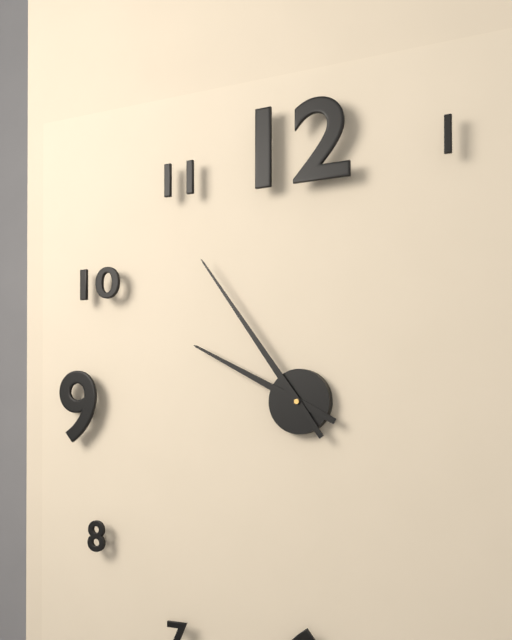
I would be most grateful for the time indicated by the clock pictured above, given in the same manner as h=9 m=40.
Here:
h=9 m=54
